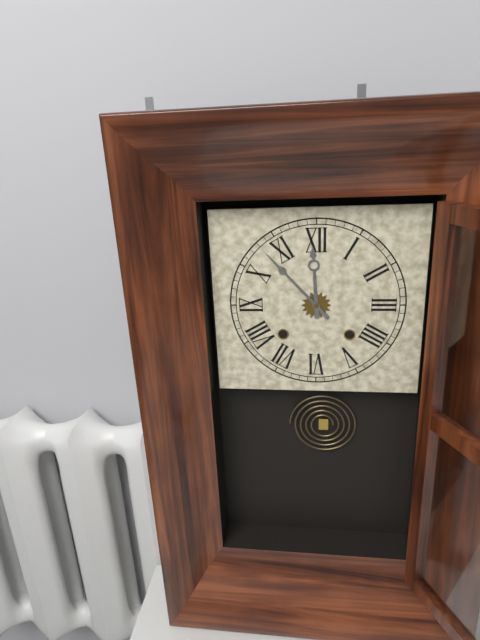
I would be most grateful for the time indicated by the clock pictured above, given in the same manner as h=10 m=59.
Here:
h=11 m=53
